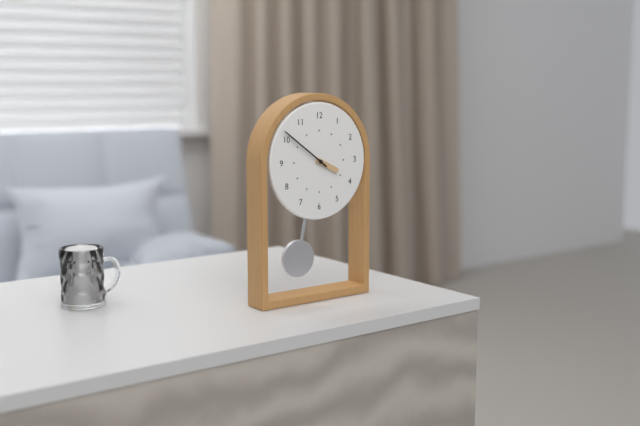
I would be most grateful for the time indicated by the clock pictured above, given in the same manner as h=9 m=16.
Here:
h=3 m=51
